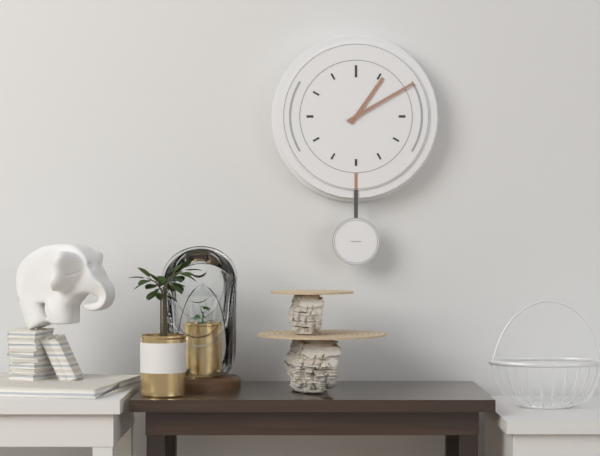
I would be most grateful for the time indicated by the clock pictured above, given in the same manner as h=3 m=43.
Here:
h=1 m=10
